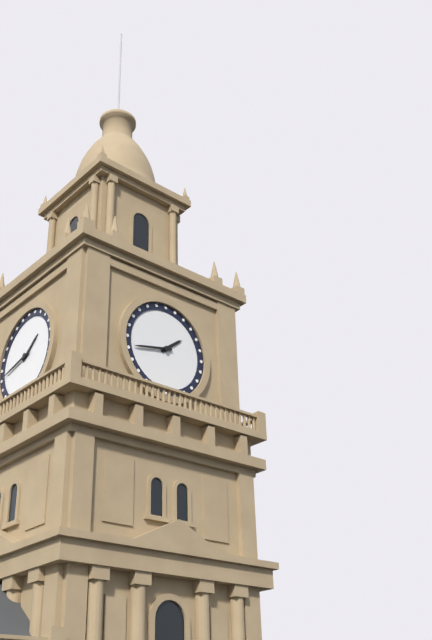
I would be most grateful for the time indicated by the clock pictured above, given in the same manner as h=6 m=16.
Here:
h=1 m=43
